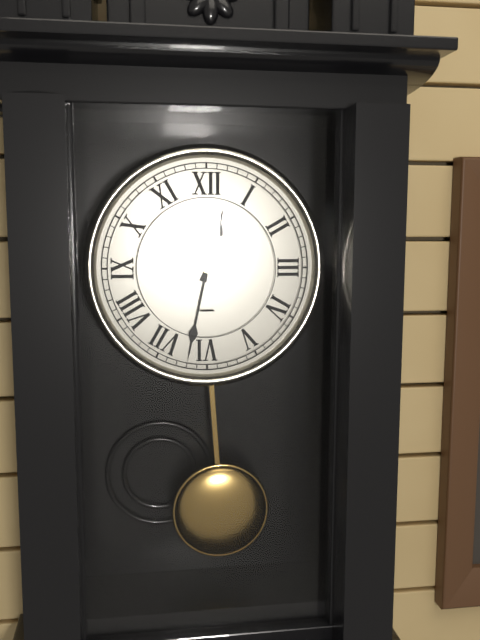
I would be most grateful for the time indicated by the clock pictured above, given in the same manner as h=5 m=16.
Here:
h=12 m=32
